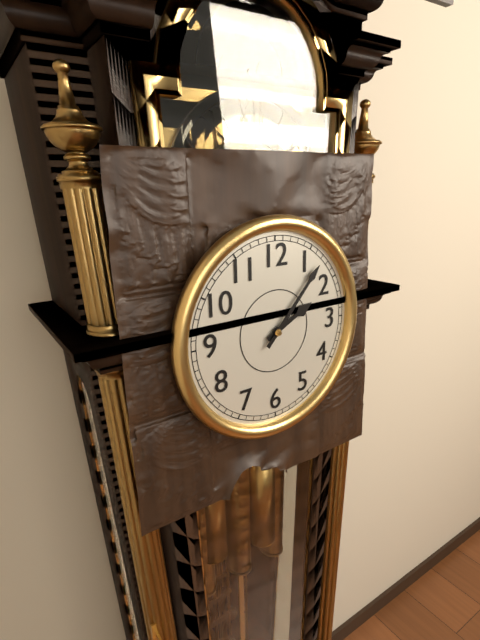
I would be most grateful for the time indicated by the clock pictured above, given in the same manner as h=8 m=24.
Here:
h=2 m=7
